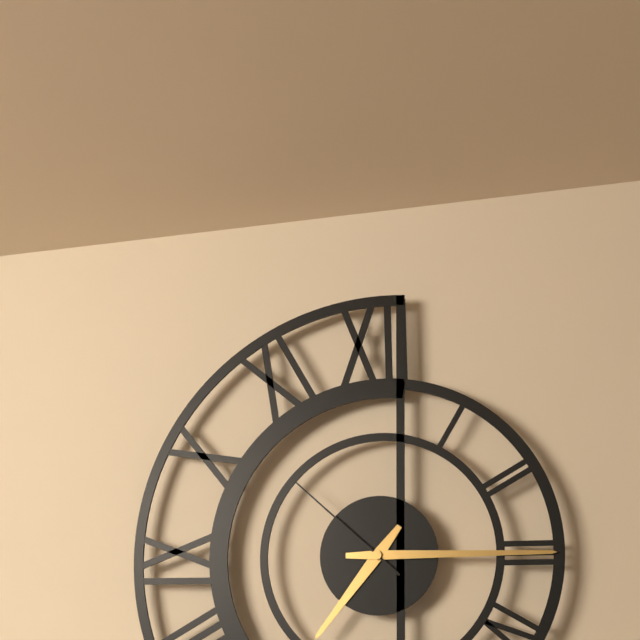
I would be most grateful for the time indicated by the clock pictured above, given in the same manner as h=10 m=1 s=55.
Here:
h=7 m=15 s=52
